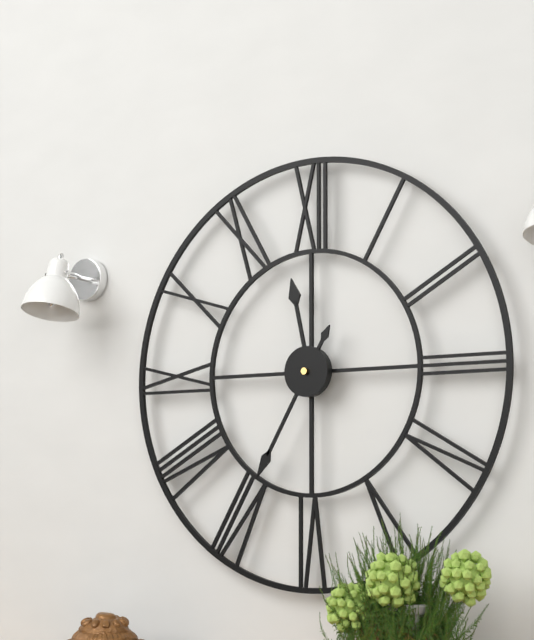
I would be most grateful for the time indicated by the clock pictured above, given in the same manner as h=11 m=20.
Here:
h=11 m=35
